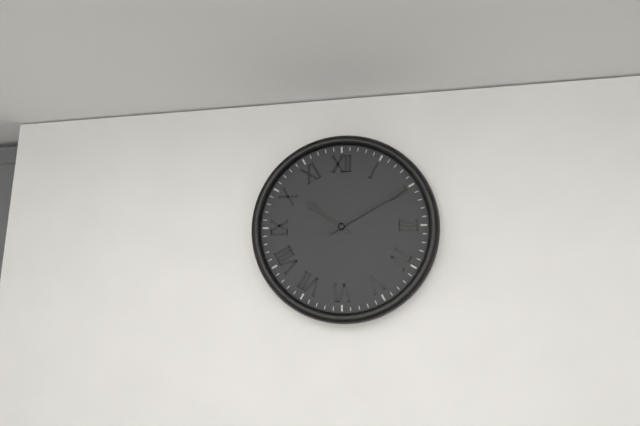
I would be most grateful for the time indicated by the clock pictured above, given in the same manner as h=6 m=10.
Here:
h=10 m=10
